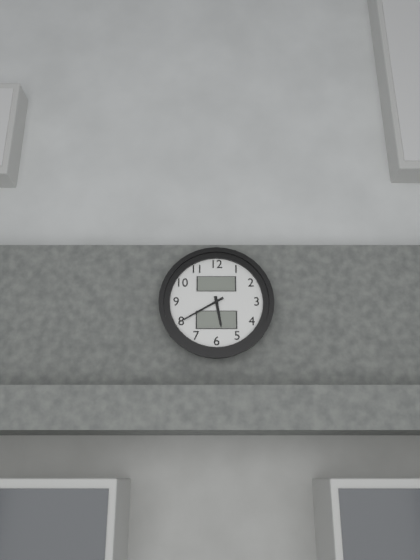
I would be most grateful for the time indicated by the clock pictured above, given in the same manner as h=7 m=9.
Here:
h=5 m=40
